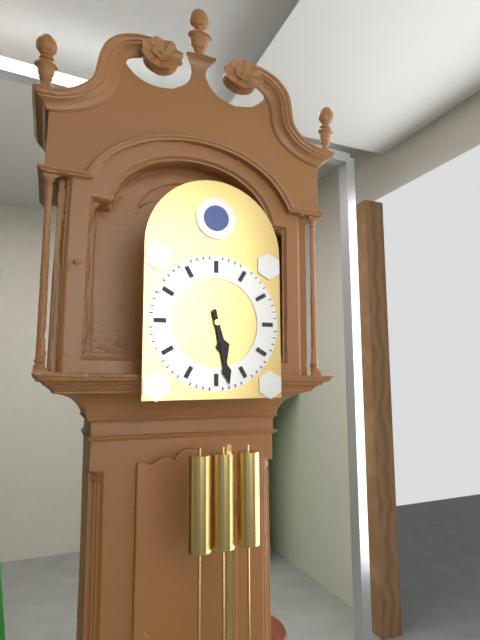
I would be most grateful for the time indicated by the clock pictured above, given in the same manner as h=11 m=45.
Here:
h=5 m=28
